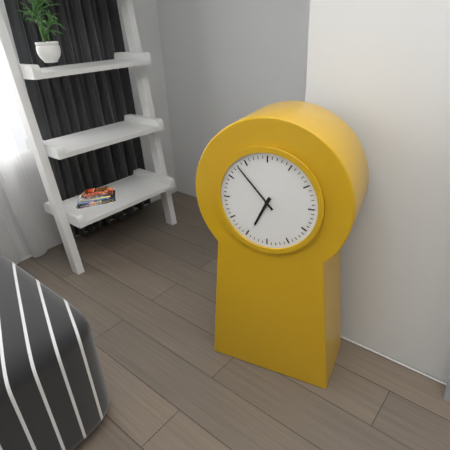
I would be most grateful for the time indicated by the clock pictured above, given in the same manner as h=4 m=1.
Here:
h=6 m=53
